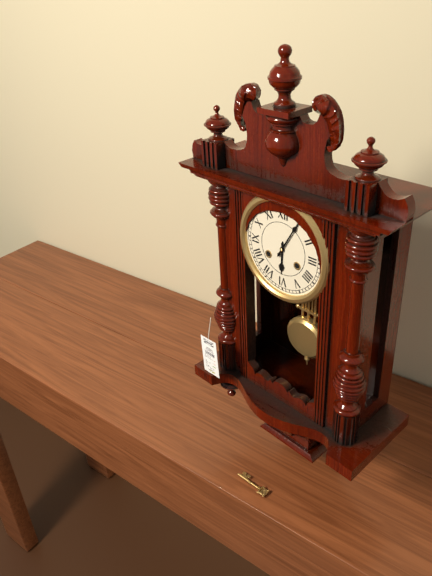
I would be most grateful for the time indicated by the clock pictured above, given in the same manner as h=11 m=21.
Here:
h=6 m=5
